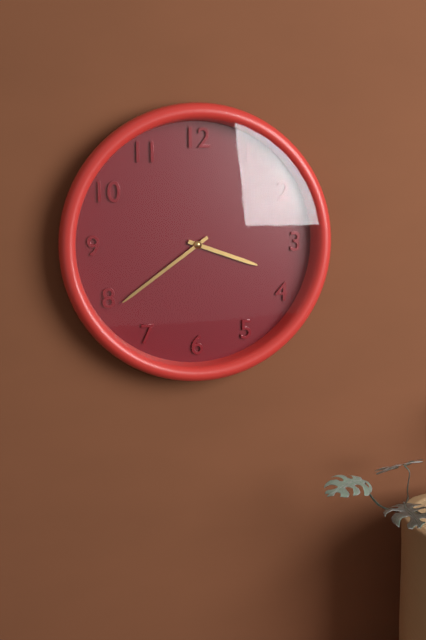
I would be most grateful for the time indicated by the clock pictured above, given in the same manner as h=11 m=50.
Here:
h=3 m=39
